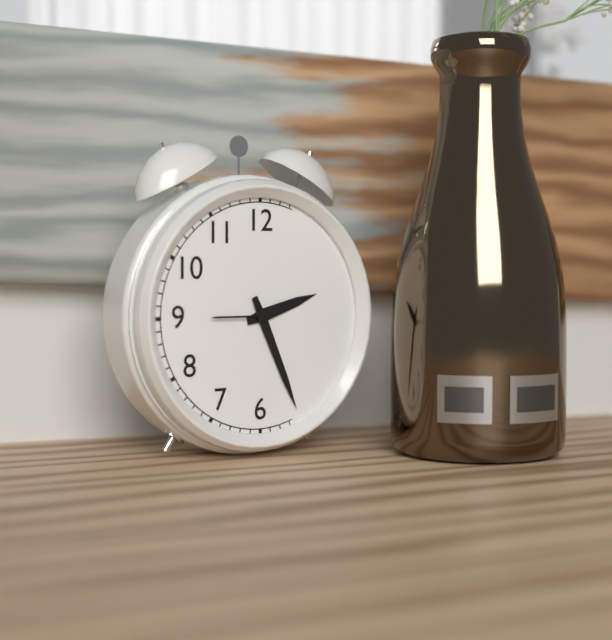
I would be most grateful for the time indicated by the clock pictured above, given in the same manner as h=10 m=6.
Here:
h=2 m=26
